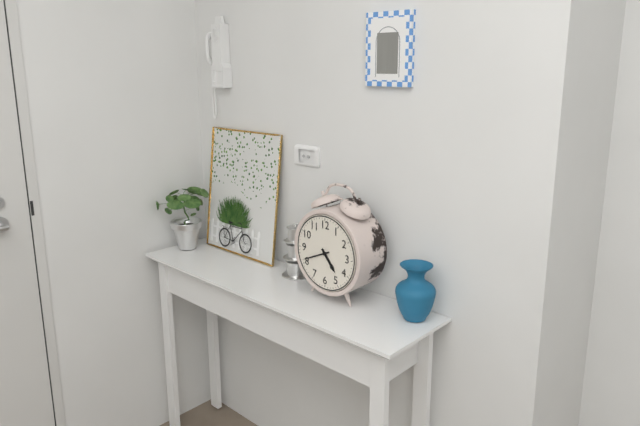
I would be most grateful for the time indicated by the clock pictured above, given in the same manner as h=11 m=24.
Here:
h=4 m=41
